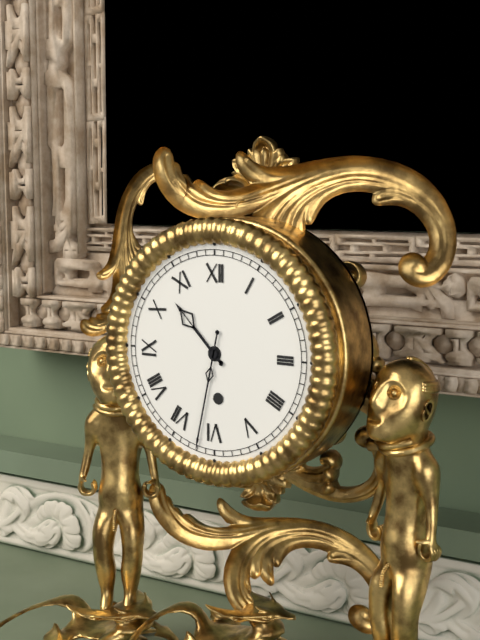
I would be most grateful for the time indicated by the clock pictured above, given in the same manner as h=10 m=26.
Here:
h=10 m=32
